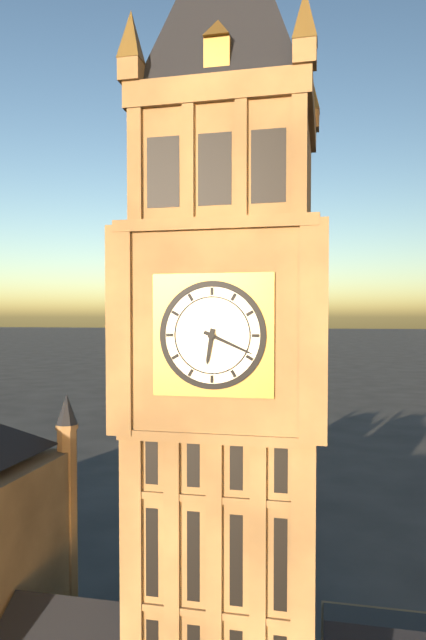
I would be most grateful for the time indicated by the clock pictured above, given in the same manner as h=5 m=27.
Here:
h=6 m=19
